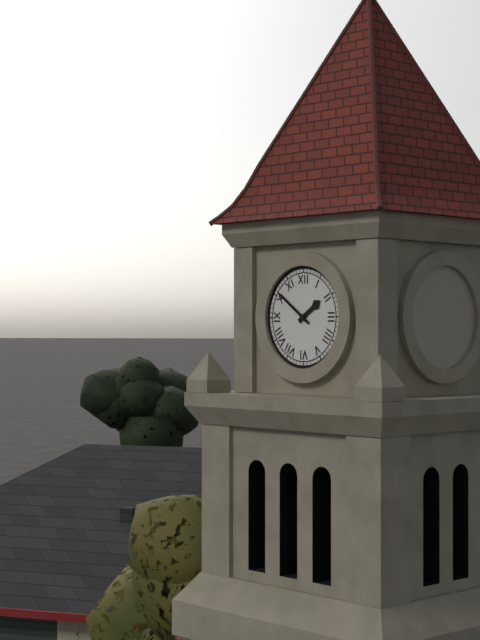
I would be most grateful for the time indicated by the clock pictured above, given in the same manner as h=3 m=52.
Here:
h=1 m=51
